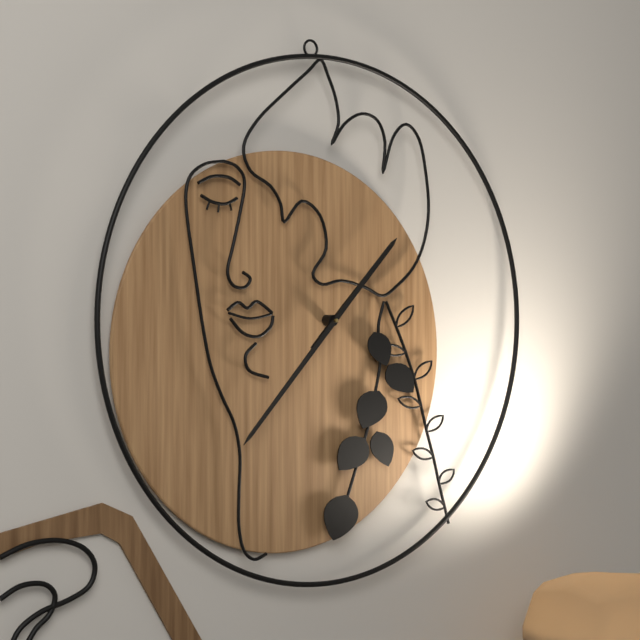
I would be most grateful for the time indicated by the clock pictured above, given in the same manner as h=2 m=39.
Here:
h=1 m=38
